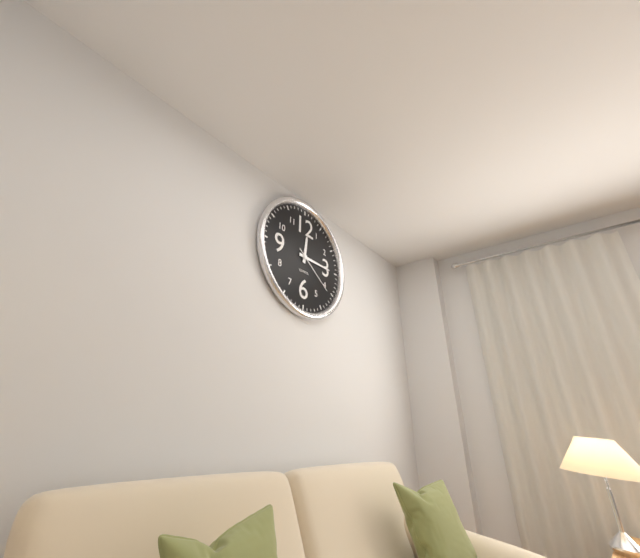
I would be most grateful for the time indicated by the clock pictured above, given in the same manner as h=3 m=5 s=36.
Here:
h=12 m=15 s=21
